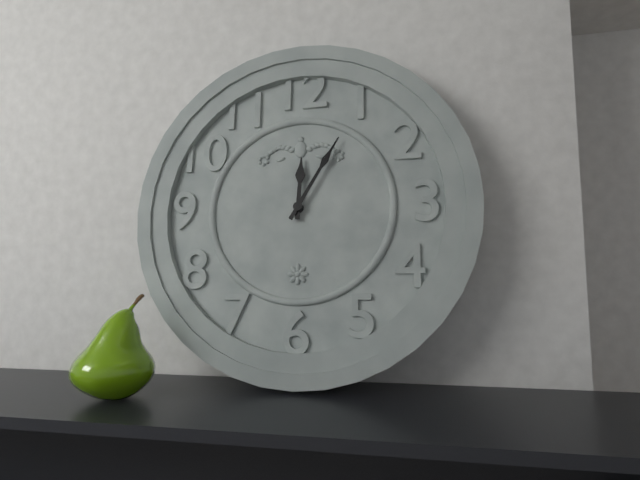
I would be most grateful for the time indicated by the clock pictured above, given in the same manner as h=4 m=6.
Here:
h=12 m=5
